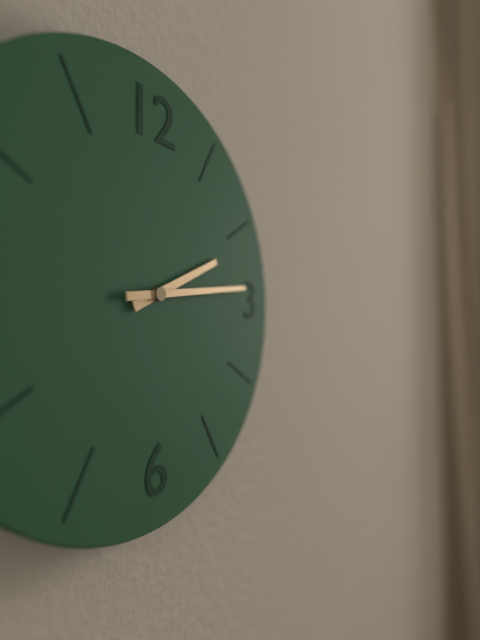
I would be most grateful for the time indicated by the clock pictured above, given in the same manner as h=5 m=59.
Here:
h=2 m=14
